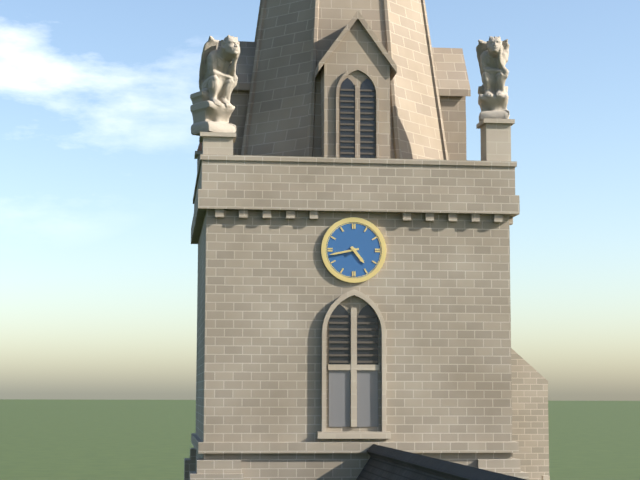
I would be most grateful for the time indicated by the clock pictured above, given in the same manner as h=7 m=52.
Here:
h=4 m=43
